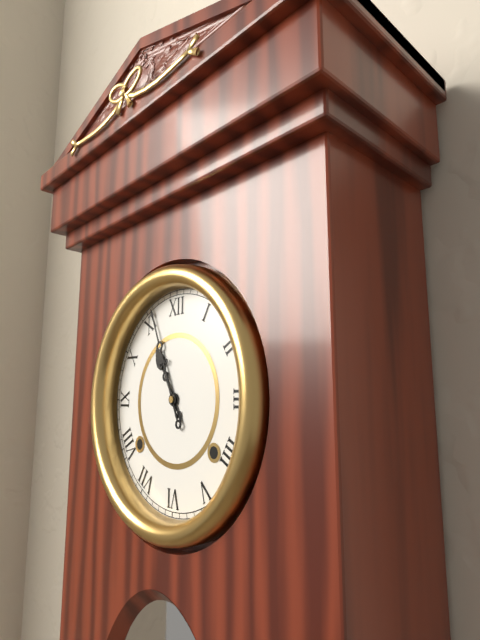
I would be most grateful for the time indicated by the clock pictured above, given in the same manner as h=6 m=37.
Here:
h=10 m=56
